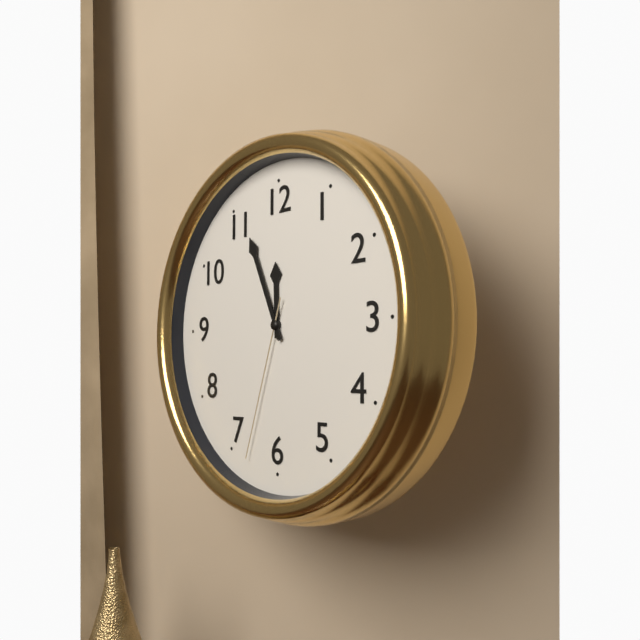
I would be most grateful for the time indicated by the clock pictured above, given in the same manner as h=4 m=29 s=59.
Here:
h=11 m=56 s=33
